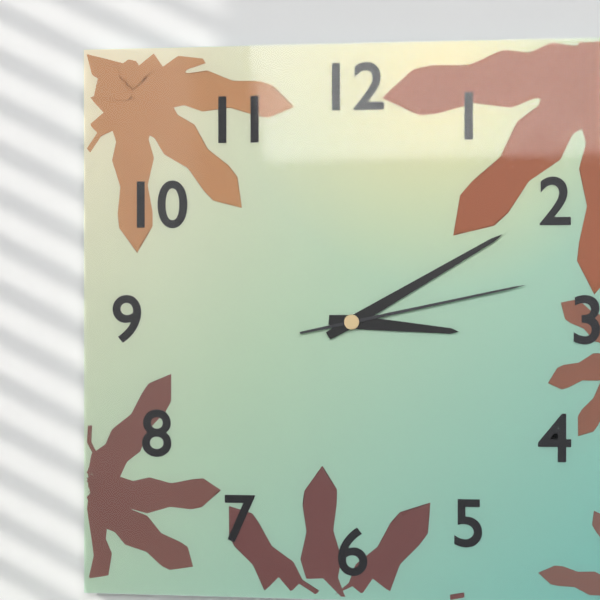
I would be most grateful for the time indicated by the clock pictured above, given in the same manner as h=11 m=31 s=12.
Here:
h=3 m=10 s=13
